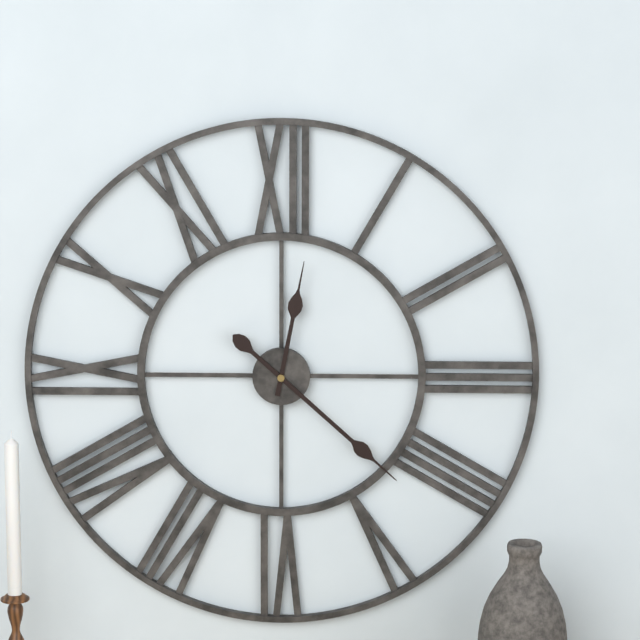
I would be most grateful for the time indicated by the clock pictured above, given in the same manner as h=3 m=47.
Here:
h=12 m=22
